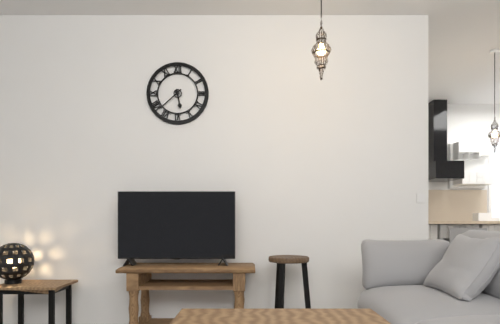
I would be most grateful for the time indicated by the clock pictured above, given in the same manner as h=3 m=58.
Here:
h=5 m=38
